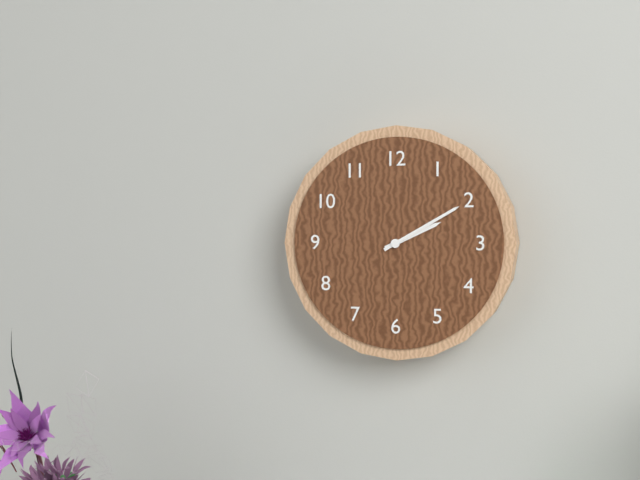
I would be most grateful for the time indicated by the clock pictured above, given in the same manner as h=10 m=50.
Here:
h=2 m=10
